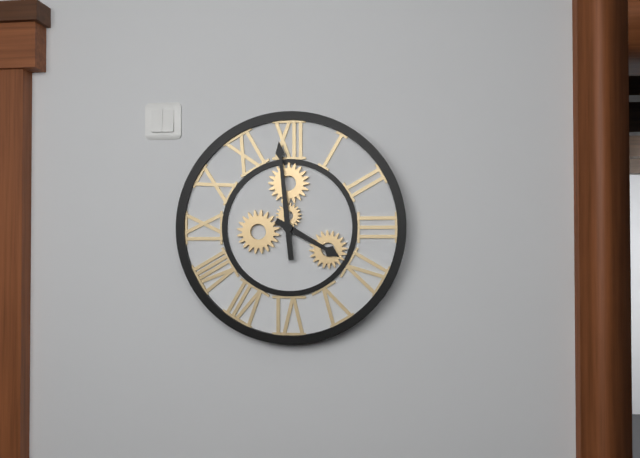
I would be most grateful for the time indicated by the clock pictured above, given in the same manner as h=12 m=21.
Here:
h=3 m=59
